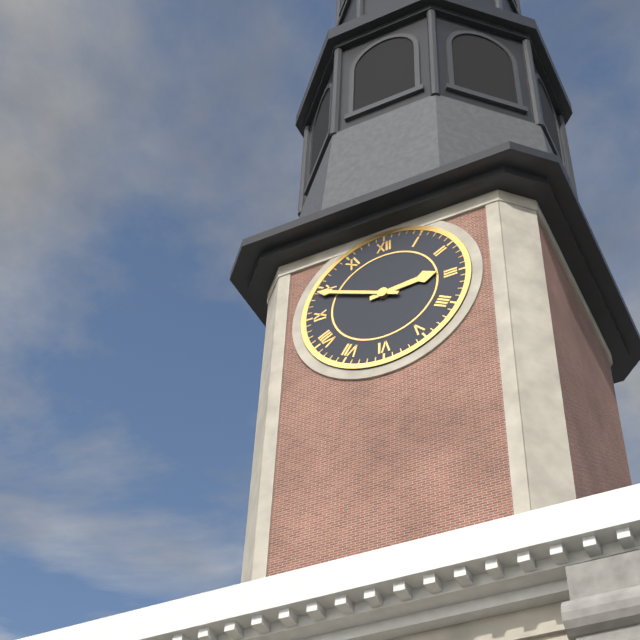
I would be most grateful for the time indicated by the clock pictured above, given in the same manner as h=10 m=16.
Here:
h=2 m=49
